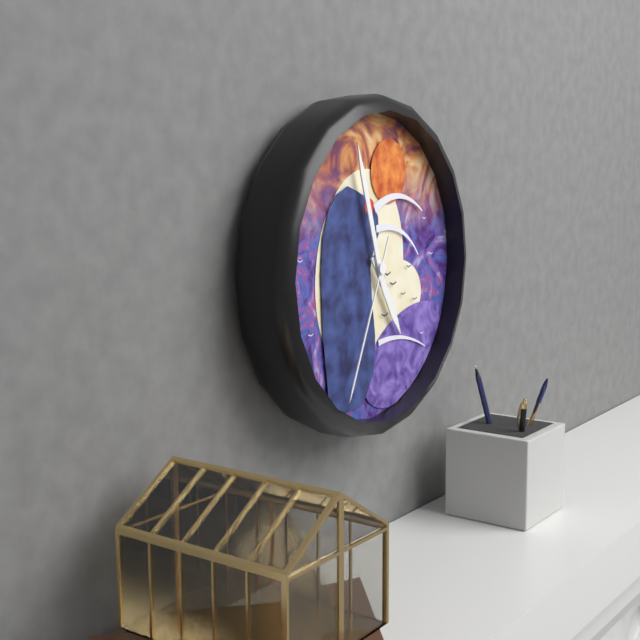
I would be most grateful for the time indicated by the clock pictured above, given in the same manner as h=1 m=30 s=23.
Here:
h=4 m=57 s=34
